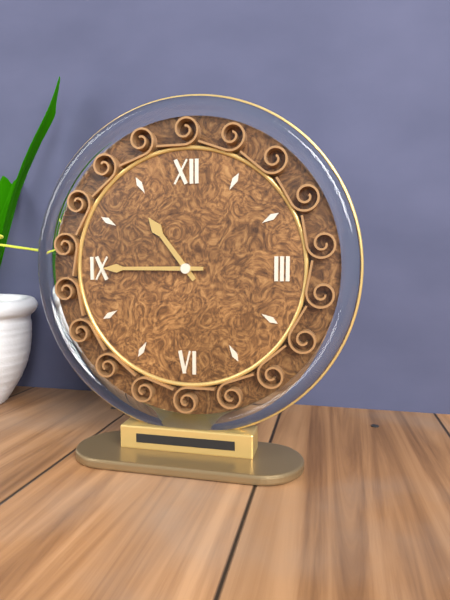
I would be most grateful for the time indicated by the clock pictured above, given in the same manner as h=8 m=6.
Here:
h=10 m=45
